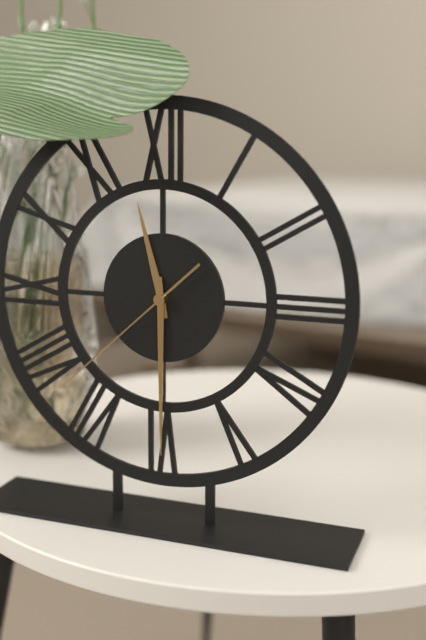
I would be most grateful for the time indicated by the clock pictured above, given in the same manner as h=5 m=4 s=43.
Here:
h=11 m=30 s=38
